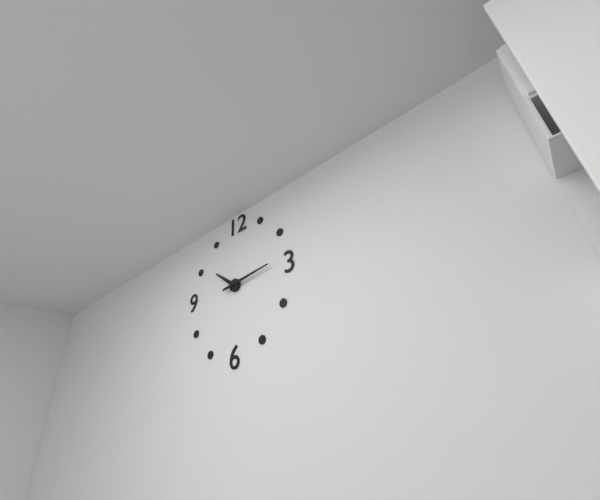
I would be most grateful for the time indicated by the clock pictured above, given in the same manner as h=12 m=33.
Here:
h=10 m=14
